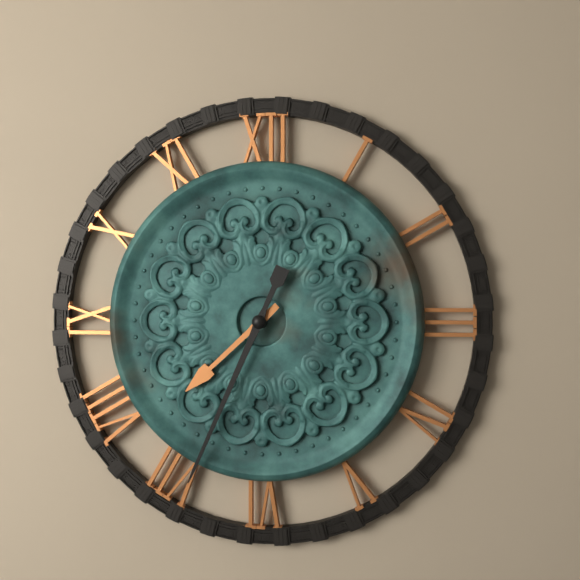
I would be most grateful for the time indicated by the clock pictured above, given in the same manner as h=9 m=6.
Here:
h=7 m=34
